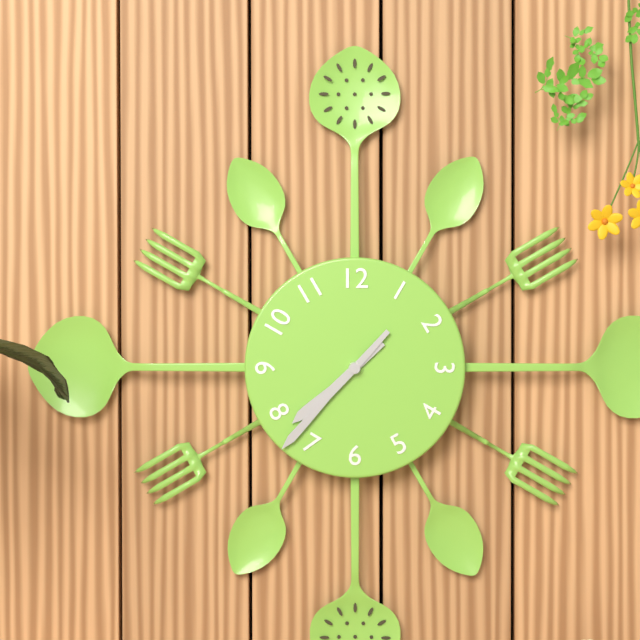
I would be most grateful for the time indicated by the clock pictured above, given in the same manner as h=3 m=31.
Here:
h=7 m=37
